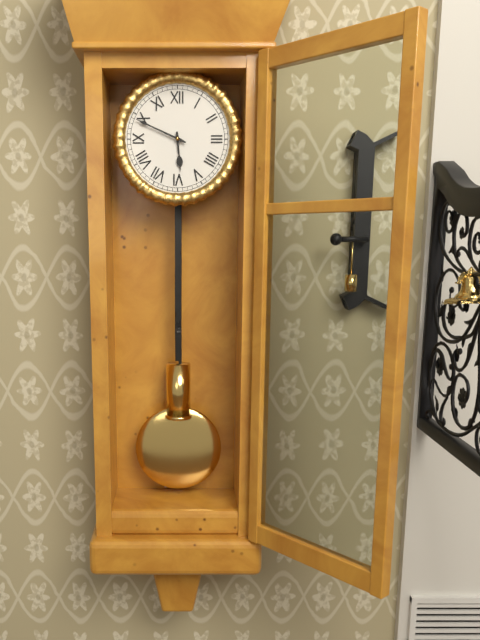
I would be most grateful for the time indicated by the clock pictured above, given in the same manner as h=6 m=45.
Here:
h=5 m=49
